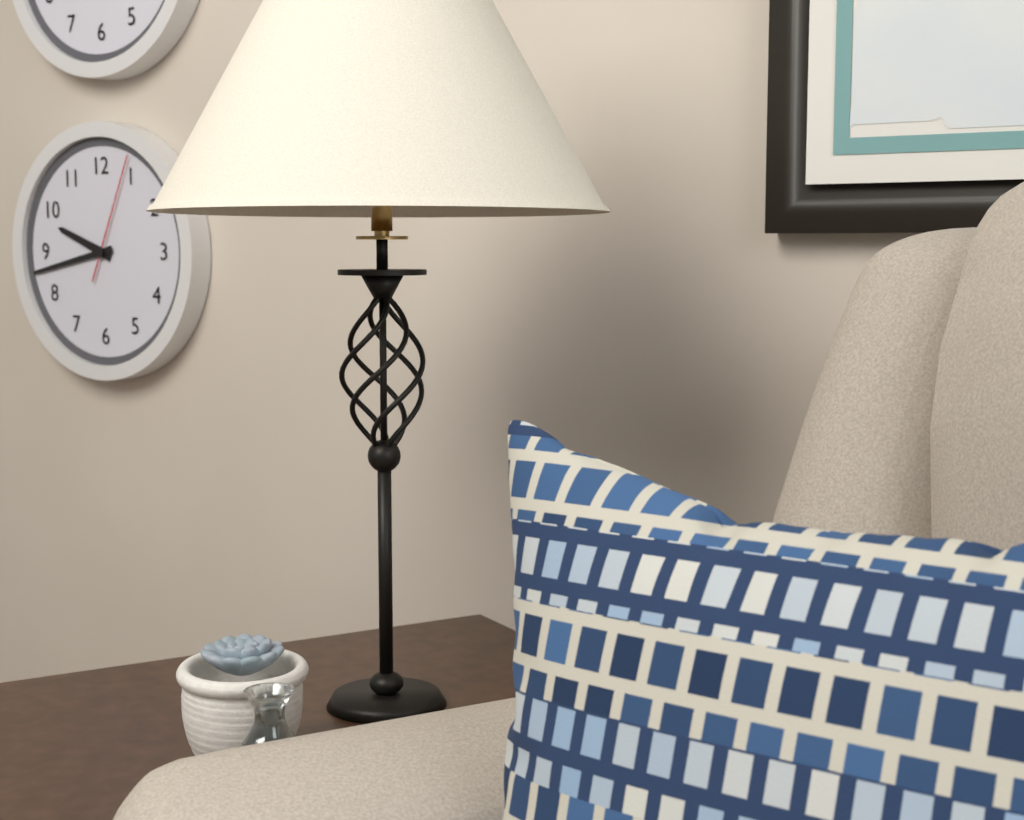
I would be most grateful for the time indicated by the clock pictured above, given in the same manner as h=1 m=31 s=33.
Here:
h=9 m=43 s=4
